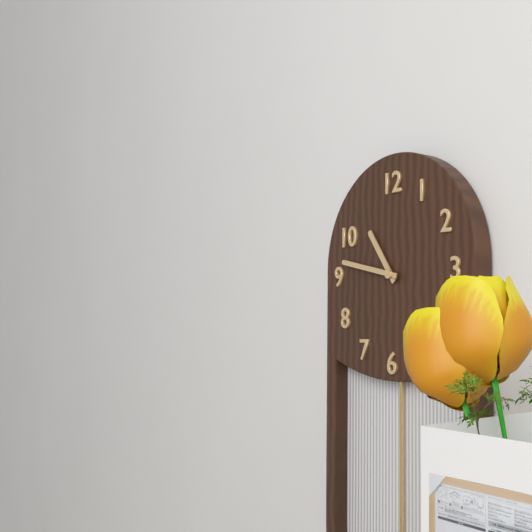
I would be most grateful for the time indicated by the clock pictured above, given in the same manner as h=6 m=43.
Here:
h=10 m=47
